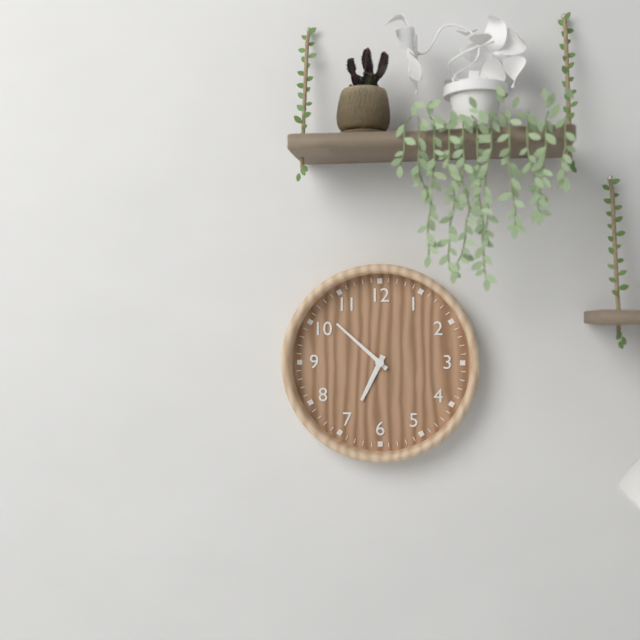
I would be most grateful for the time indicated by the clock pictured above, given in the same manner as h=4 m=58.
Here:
h=6 m=52
